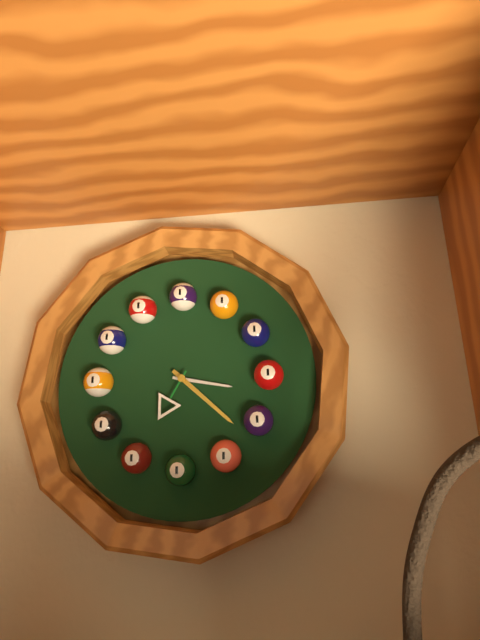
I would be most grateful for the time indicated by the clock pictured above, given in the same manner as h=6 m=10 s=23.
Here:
h=3 m=22 s=35
